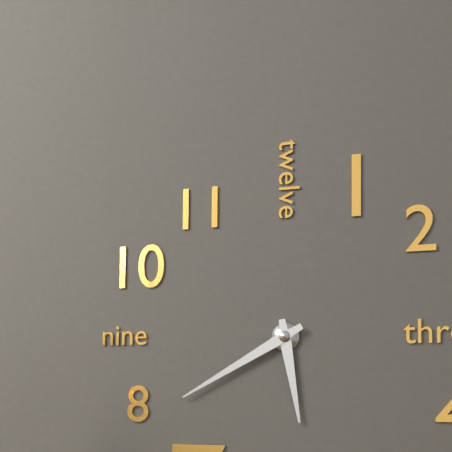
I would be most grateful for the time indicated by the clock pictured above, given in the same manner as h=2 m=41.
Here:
h=5 m=40
